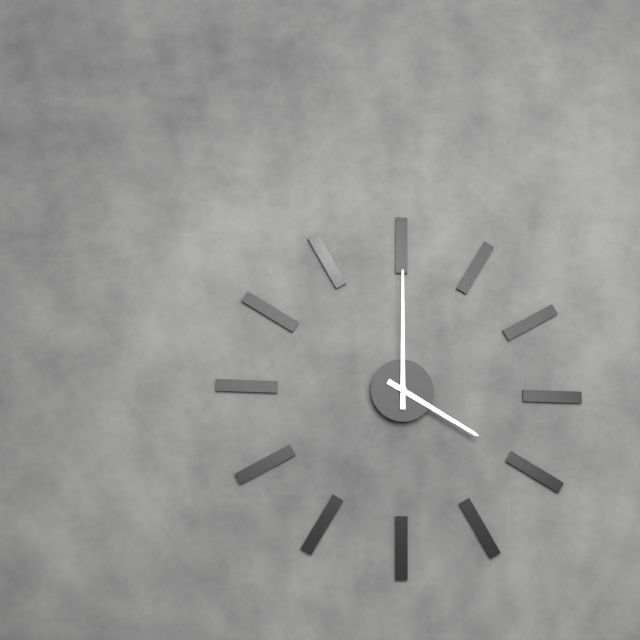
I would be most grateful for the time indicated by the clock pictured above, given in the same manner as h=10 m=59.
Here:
h=4 m=0
